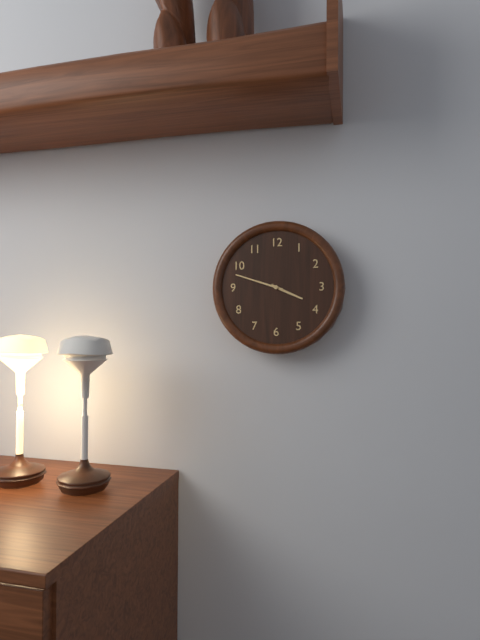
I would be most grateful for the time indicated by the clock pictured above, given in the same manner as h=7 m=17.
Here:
h=3 m=48
